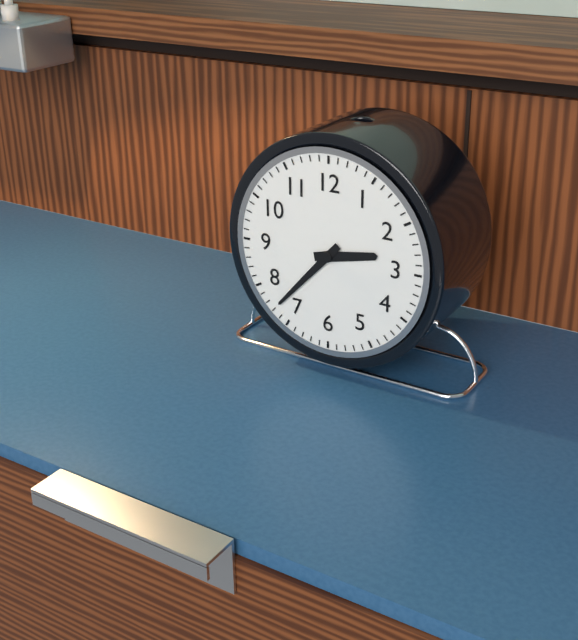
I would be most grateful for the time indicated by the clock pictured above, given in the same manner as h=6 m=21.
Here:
h=2 m=37
